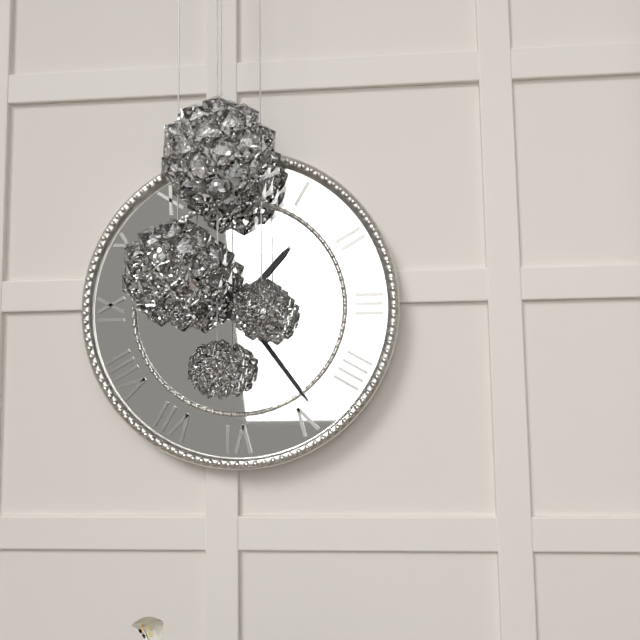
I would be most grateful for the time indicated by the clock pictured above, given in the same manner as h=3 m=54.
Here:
h=1 m=24
